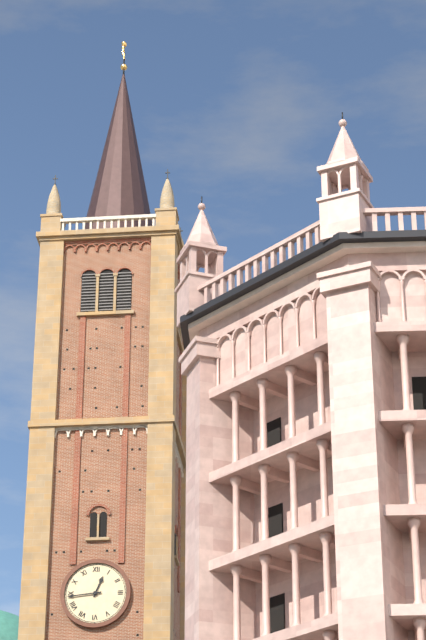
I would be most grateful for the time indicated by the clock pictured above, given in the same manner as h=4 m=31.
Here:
h=12 m=44
